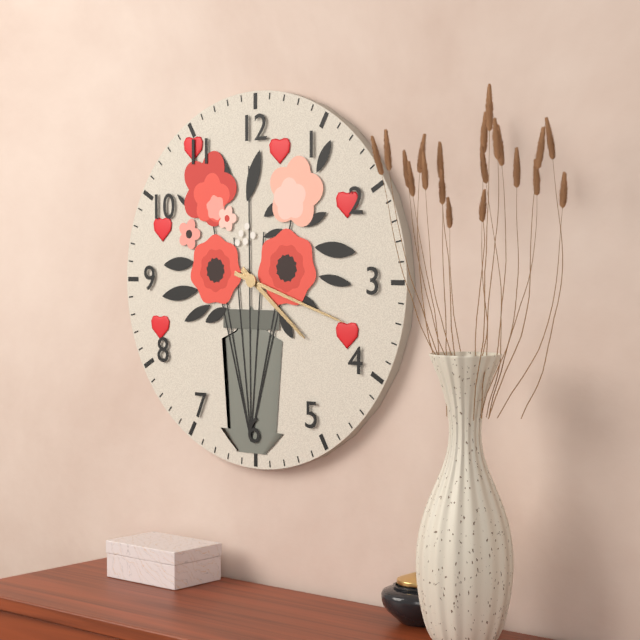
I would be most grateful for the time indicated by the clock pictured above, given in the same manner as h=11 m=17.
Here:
h=4 m=18
